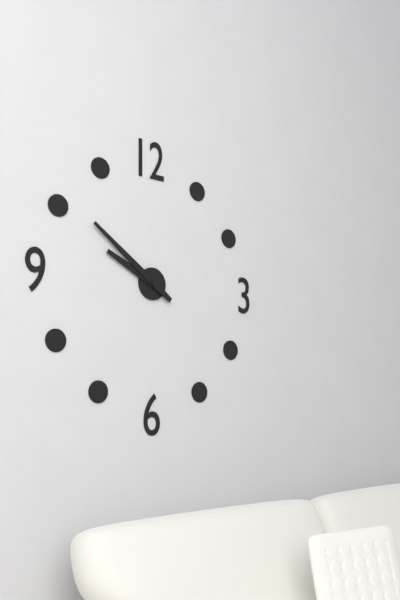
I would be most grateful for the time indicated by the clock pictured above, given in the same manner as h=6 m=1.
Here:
h=9 m=51
